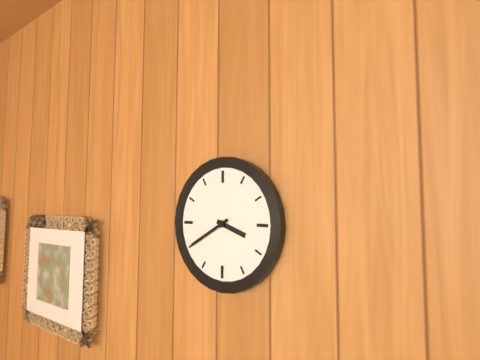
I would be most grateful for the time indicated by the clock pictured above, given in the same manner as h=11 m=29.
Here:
h=3 m=40
